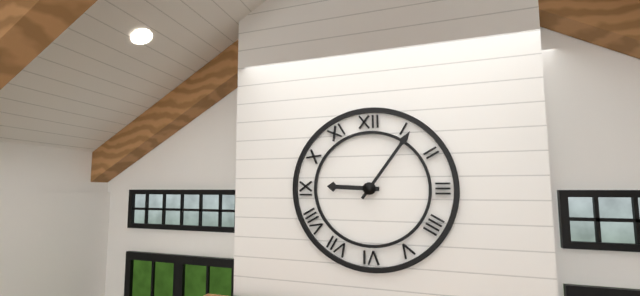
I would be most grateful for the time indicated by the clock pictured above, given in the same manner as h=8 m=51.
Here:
h=9 m=6
